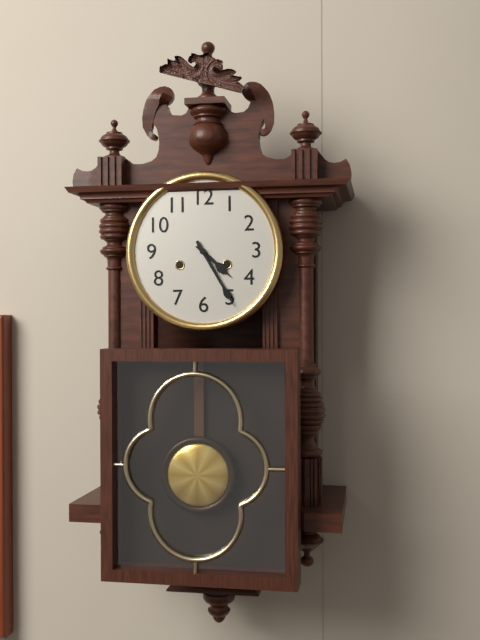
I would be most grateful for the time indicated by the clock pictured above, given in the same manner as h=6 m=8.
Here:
h=4 m=25
